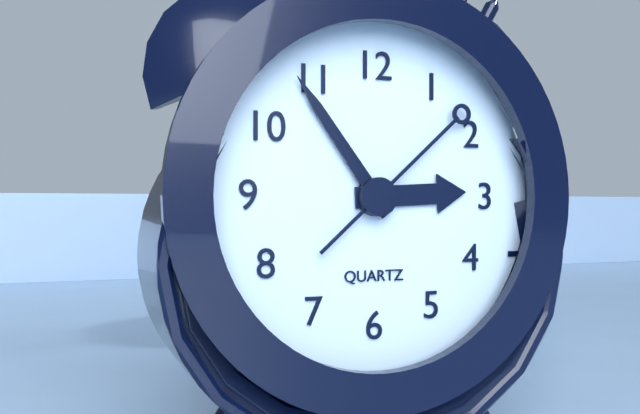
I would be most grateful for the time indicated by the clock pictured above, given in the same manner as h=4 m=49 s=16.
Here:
h=2 m=54 s=8
